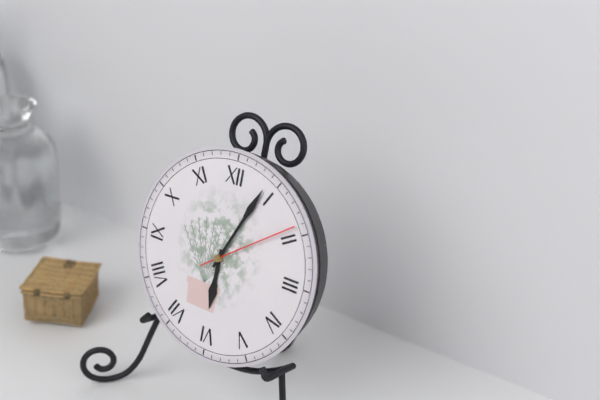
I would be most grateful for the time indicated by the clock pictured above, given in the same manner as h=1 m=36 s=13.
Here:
h=6 m=4 s=9
